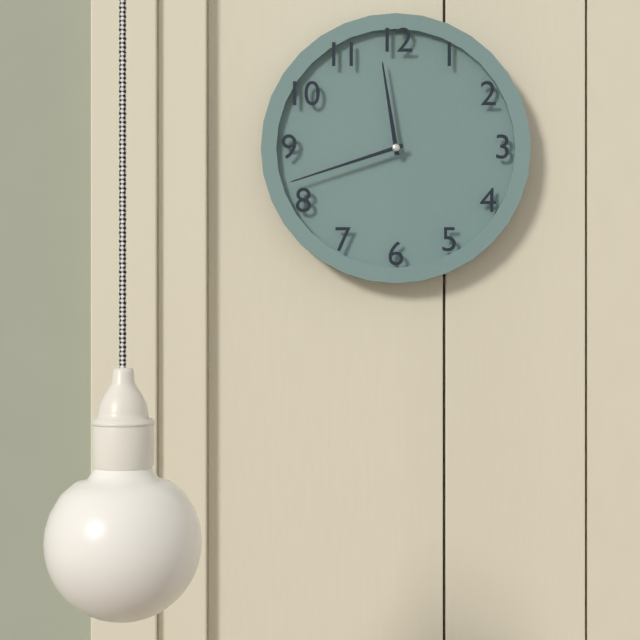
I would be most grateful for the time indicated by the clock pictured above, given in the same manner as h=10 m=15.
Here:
h=11 m=42
